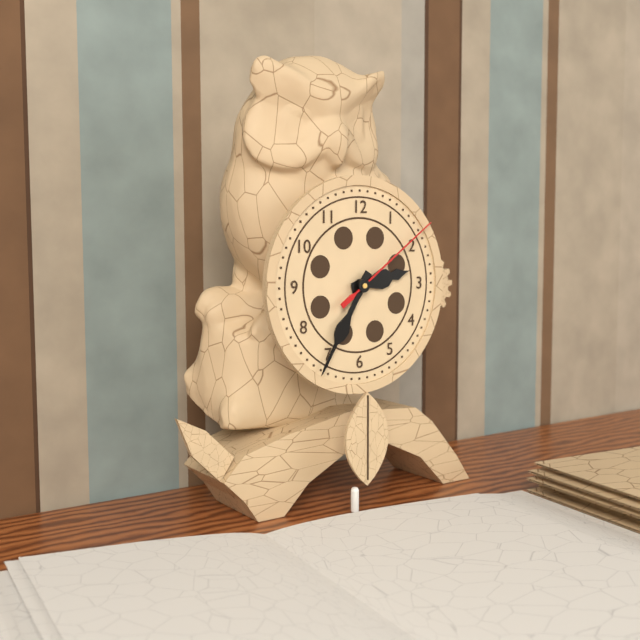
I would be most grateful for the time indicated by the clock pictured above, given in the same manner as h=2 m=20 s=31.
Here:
h=2 m=35 s=9
